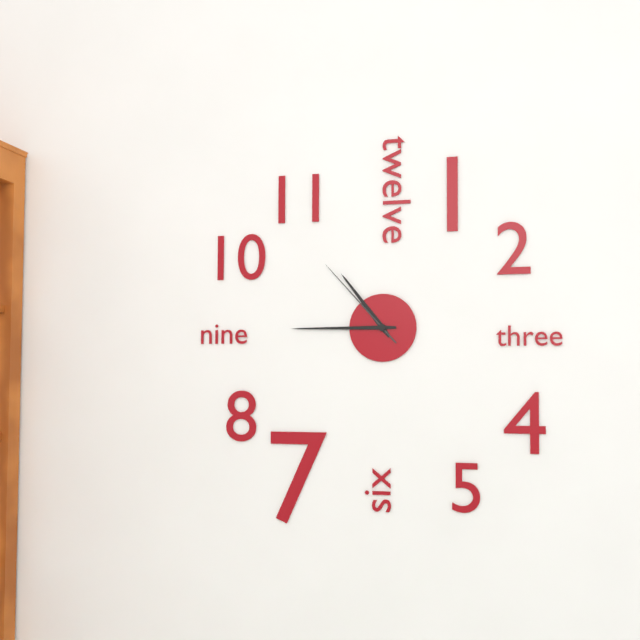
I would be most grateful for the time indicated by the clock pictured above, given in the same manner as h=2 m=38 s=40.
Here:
h=10 m=45 s=53
